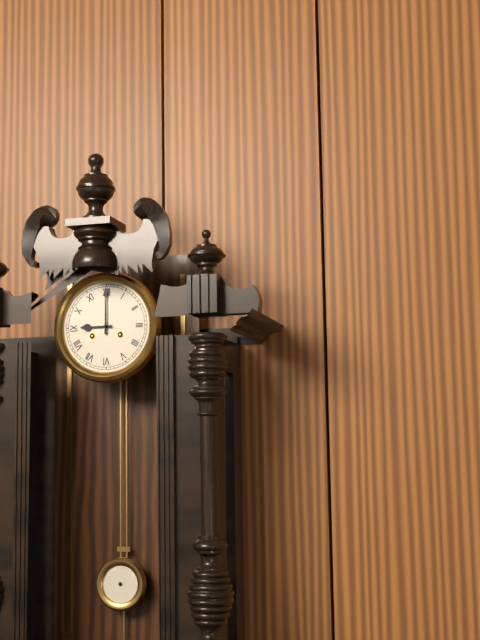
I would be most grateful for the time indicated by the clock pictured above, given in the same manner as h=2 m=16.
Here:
h=9 m=0
